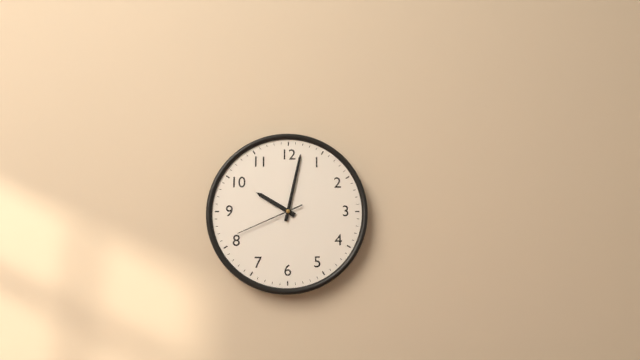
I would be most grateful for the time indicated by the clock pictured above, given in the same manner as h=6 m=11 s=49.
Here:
h=10 m=2 s=41
